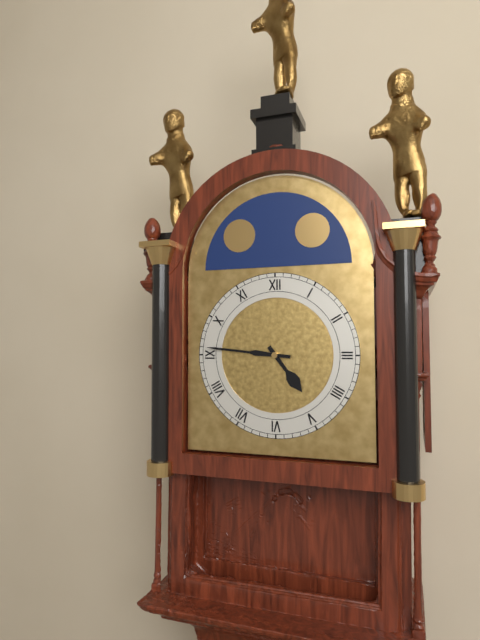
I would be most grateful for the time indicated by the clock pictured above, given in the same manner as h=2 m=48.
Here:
h=4 m=46
